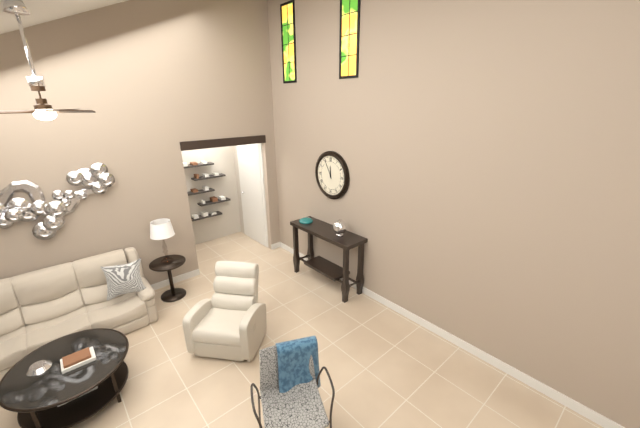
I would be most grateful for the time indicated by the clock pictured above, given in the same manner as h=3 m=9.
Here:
h=11 m=55
